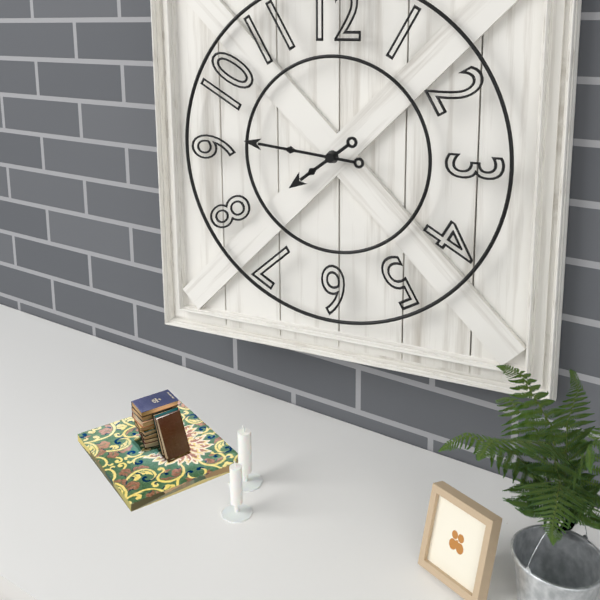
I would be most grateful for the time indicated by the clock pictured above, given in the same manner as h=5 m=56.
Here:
h=7 m=46
